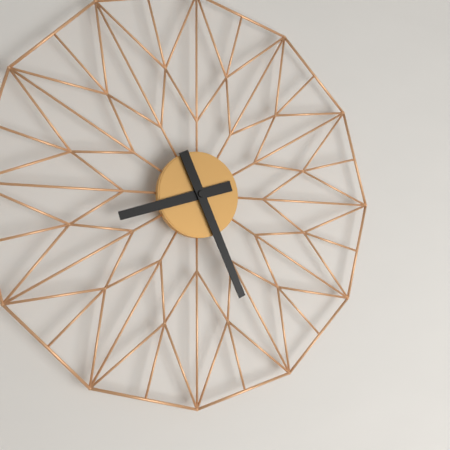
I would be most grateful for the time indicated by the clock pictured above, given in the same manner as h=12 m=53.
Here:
h=8 m=26
